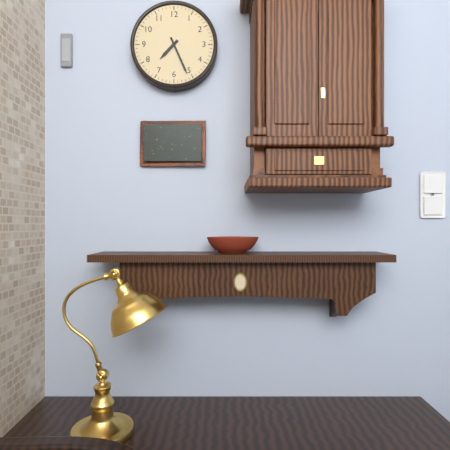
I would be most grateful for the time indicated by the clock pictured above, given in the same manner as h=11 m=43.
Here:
h=7 m=26
